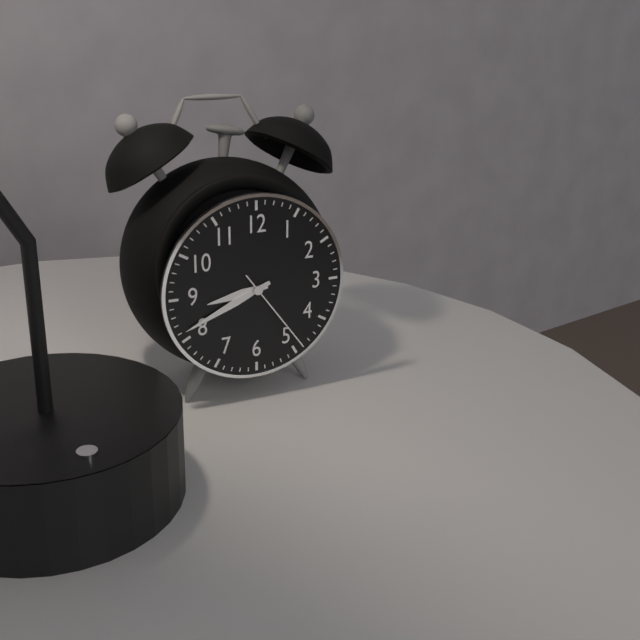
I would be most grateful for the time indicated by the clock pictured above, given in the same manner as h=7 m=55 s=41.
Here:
h=8 m=41 s=24
